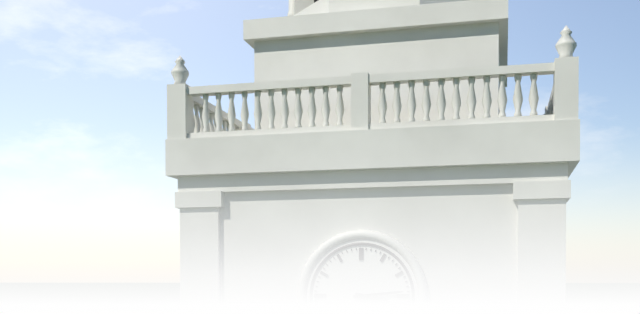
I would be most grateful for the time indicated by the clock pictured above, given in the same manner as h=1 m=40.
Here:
h=3 m=14
